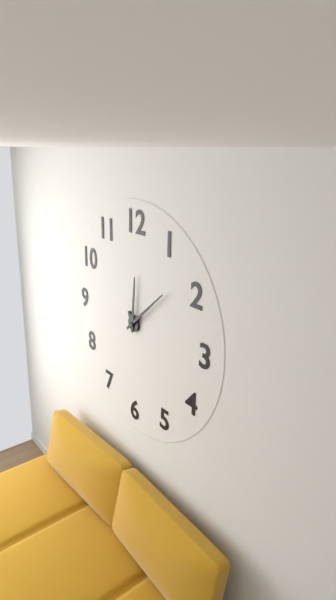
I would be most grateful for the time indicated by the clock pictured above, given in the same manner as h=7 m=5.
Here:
h=12 m=8
